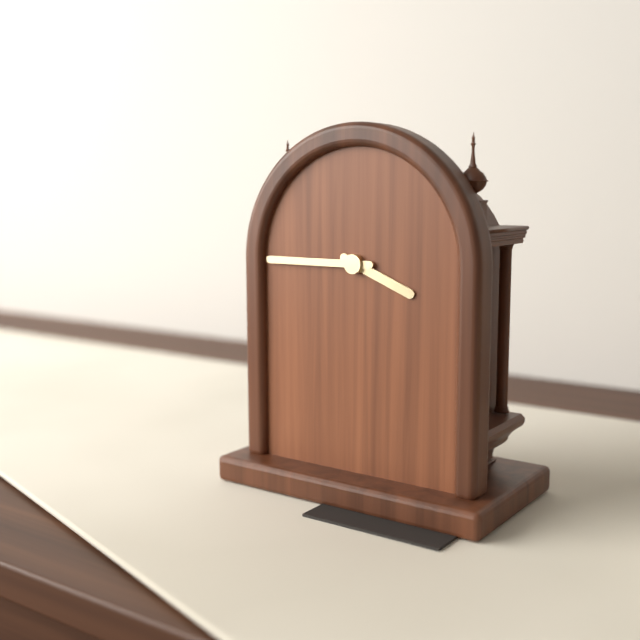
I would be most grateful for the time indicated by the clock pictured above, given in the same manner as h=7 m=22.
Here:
h=3 m=45
